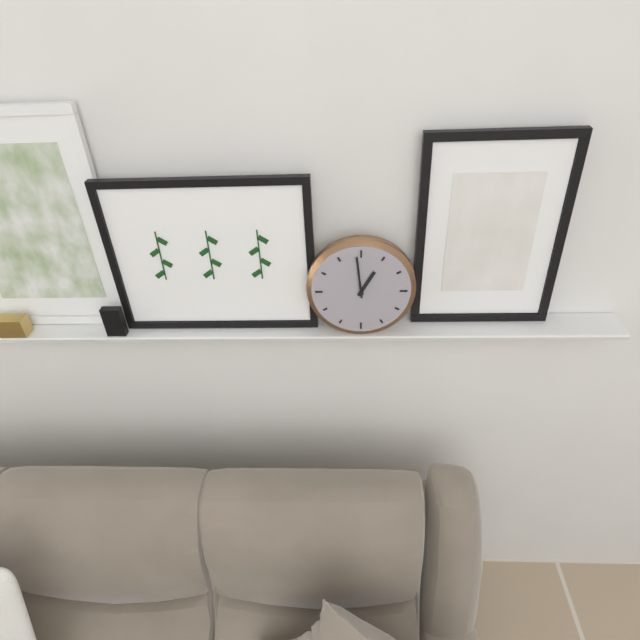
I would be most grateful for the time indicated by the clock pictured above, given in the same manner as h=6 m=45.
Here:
h=12 m=59
